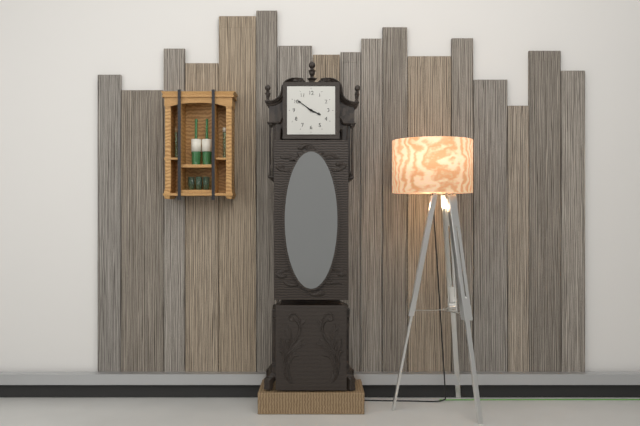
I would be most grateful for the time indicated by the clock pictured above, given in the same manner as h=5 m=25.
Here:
h=3 m=51
